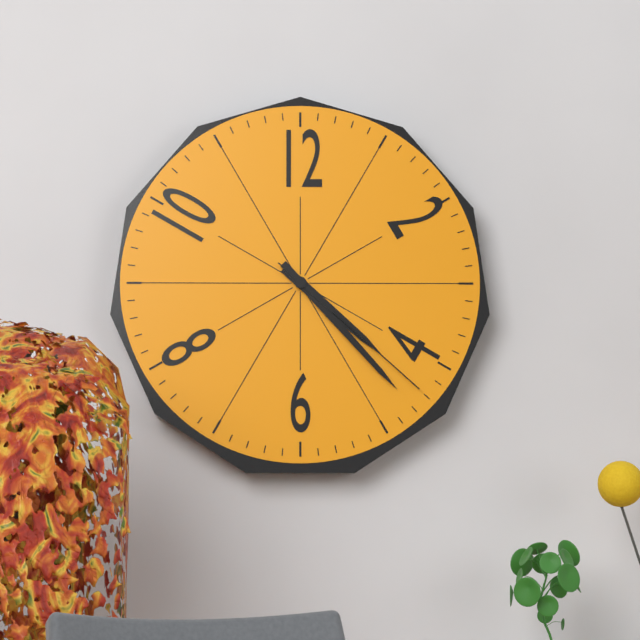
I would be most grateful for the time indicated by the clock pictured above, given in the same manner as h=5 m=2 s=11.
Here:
h=4 m=23 s=22
